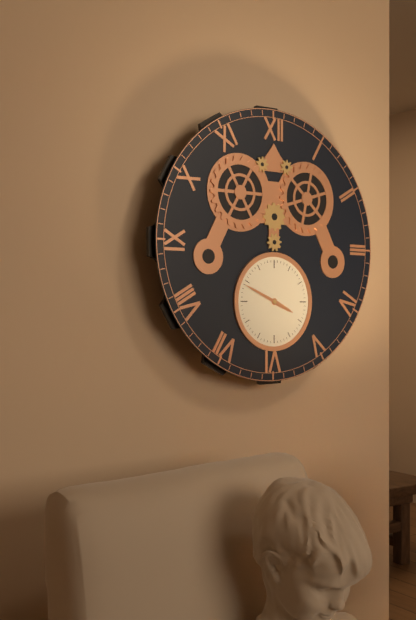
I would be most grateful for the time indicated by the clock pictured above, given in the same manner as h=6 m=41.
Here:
h=3 m=49
